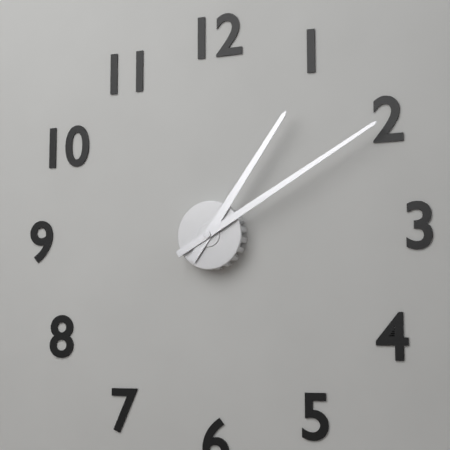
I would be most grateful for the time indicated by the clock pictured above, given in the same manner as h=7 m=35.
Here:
h=1 m=10
